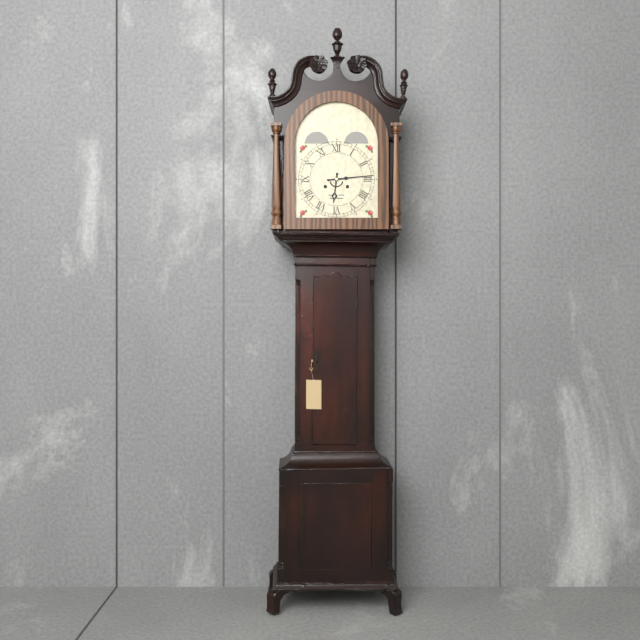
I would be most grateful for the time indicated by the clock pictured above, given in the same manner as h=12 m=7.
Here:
h=6 m=14
